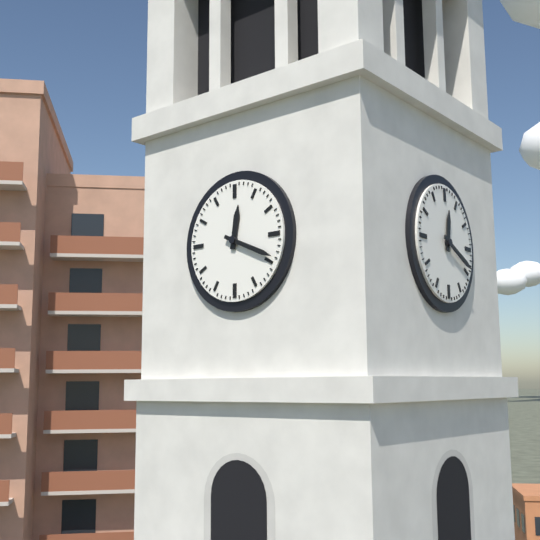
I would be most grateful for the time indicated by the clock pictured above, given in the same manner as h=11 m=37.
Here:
h=12 m=19
